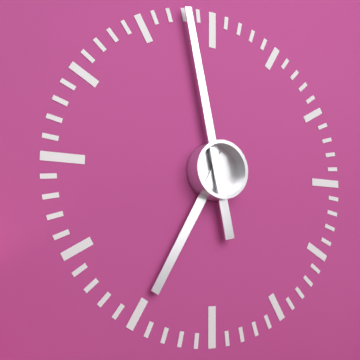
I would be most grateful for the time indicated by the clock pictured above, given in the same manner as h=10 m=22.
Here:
h=6 m=58
